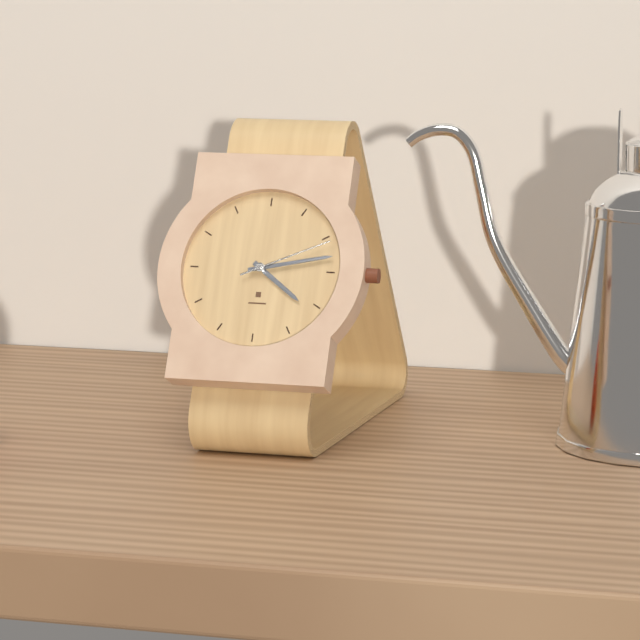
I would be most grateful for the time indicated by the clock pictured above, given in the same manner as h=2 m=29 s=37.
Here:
h=4 m=13 s=11
